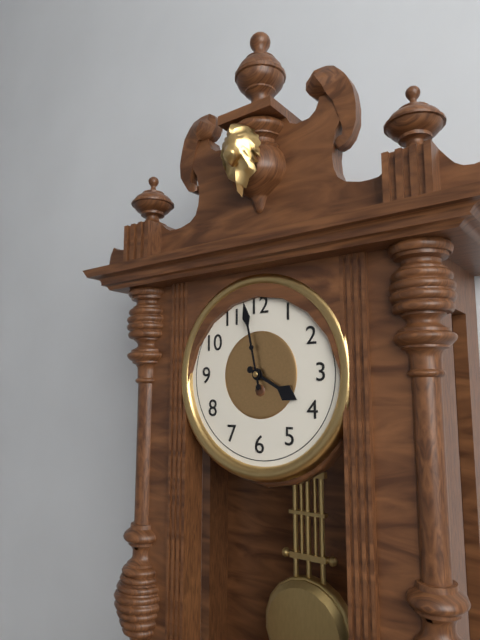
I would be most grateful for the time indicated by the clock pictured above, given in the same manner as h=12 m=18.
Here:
h=3 m=58
